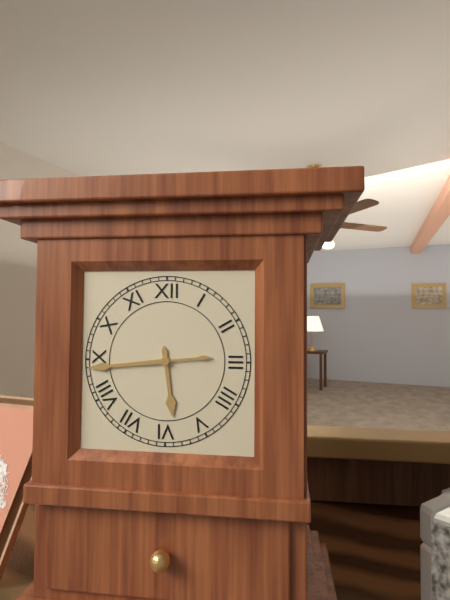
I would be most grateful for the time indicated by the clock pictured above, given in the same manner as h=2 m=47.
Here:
h=5 m=44
